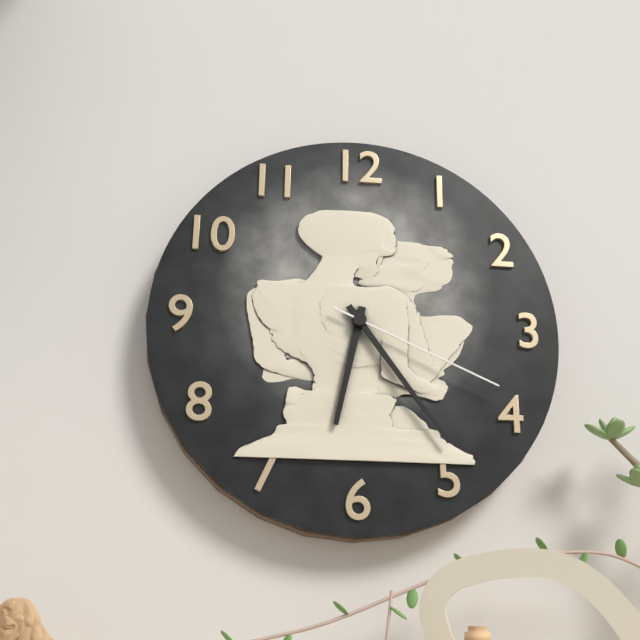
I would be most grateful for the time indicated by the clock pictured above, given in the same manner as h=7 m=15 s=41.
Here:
h=6 m=24 s=19
